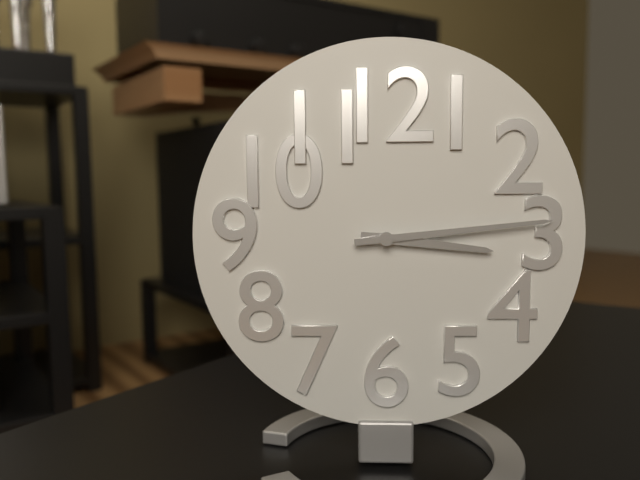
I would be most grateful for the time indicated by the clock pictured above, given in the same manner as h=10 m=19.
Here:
h=3 m=14
